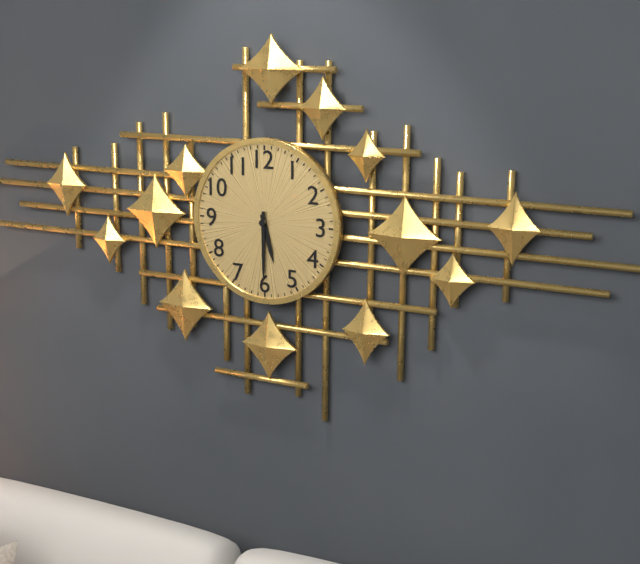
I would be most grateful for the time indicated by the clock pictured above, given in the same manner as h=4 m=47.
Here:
h=5 m=30
